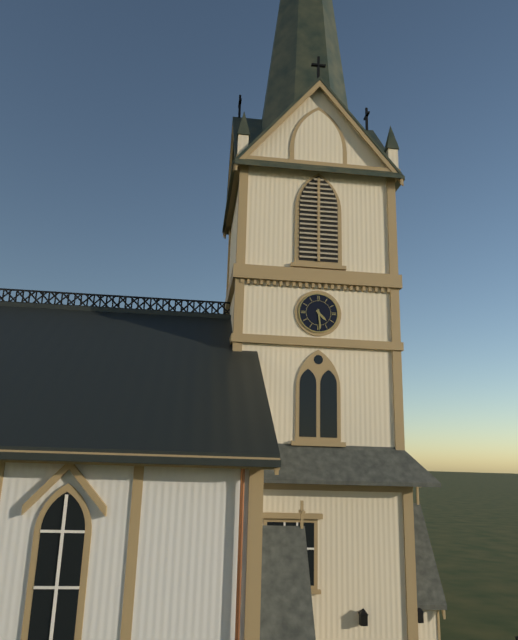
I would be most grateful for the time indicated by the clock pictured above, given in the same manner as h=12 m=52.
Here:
h=4 m=29
